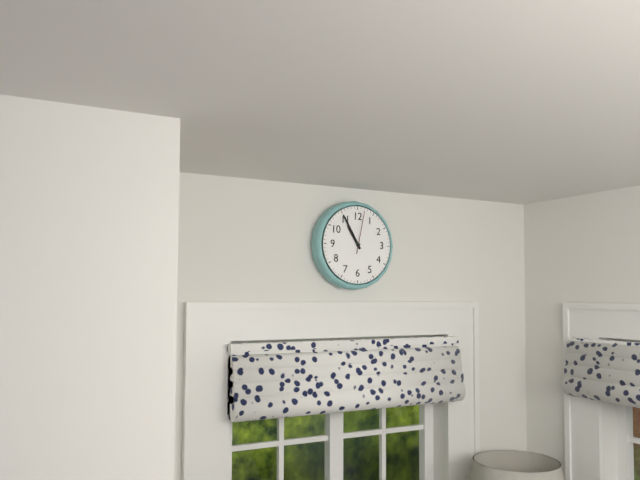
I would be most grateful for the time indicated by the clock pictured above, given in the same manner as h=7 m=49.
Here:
h=10 m=55
